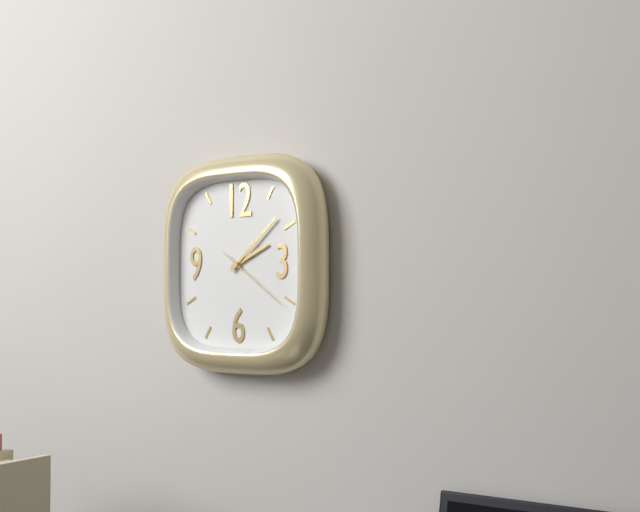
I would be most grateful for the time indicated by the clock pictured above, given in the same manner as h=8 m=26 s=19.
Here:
h=2 m=8 s=21
